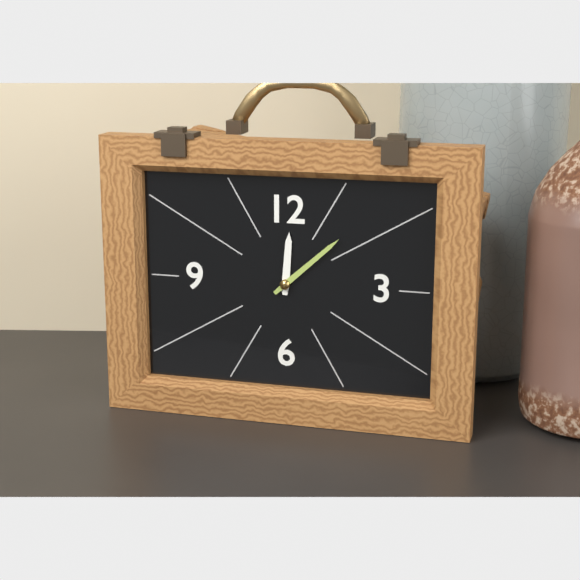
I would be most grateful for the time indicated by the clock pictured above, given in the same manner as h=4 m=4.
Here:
h=12 m=8
